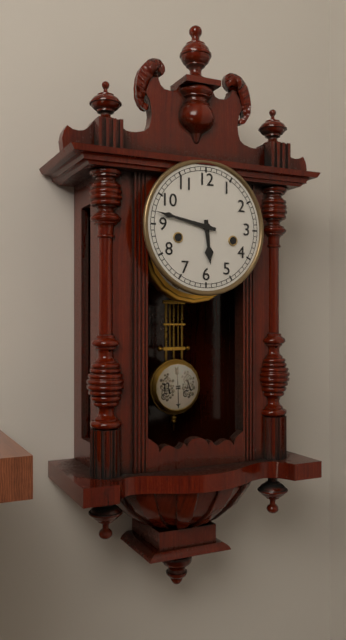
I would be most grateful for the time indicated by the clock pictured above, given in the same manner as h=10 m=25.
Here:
h=5 m=47
